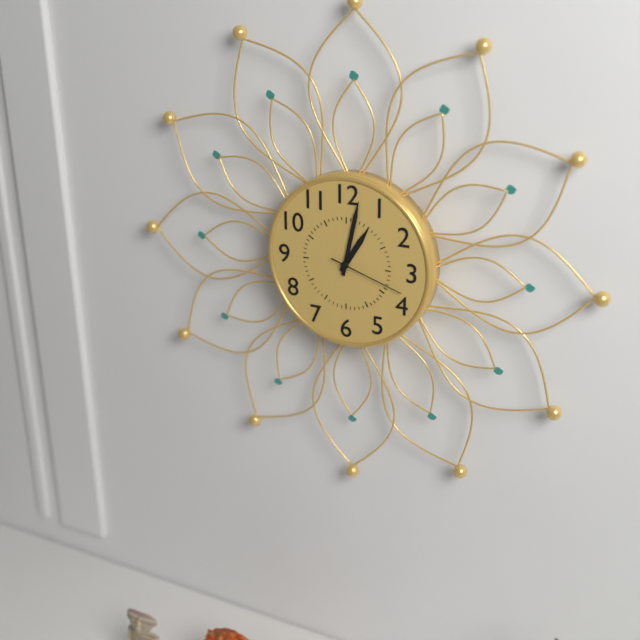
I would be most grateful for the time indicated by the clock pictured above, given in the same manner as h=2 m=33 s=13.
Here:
h=1 m=2 s=18
